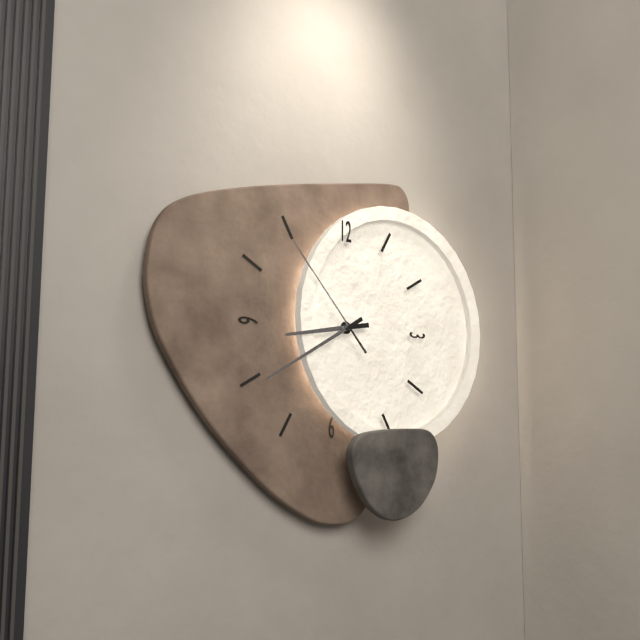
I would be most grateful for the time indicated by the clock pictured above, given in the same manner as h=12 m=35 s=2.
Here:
h=8 m=40 s=53
